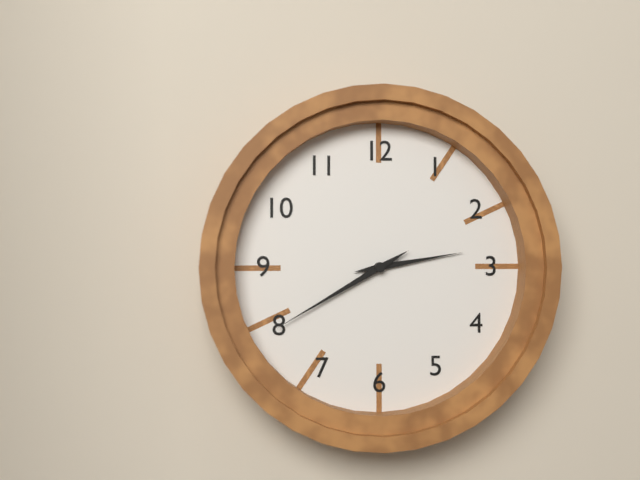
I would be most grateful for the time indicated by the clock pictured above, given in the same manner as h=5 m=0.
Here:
h=2 m=40
